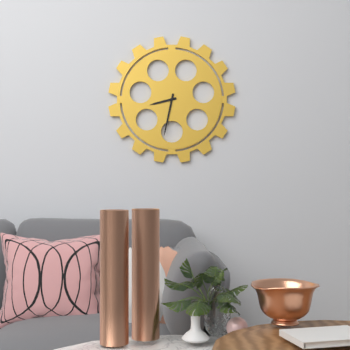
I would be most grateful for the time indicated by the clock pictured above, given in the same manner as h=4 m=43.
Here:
h=8 m=32
